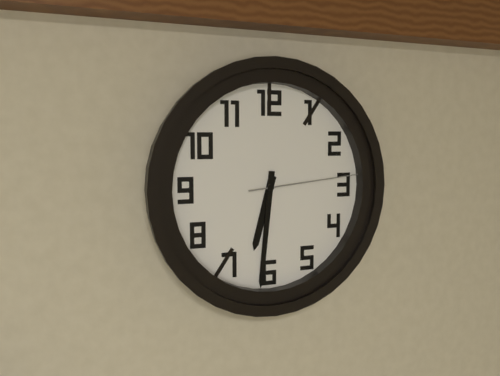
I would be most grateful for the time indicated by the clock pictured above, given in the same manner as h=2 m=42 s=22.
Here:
h=6 m=31 s=14
